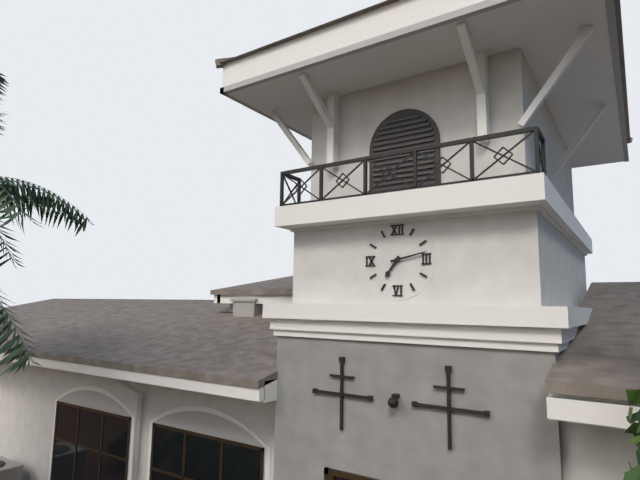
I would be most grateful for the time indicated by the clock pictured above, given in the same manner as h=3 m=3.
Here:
h=7 m=13
